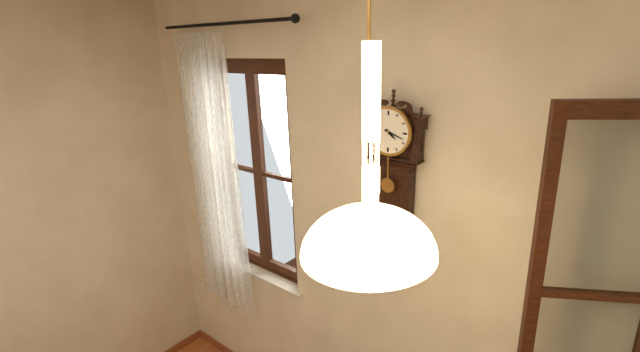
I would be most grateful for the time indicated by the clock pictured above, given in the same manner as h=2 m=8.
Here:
h=4 m=18
